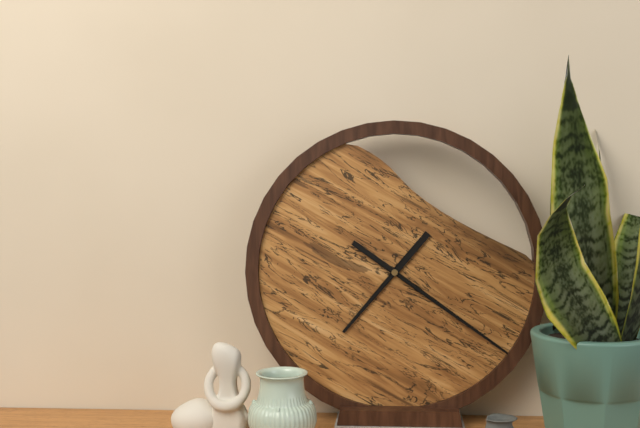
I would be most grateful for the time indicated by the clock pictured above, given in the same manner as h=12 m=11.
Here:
h=7 m=21
